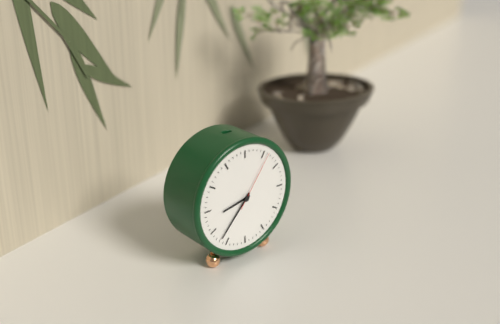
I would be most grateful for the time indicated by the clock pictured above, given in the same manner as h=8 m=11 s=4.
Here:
h=8 m=37 s=6
